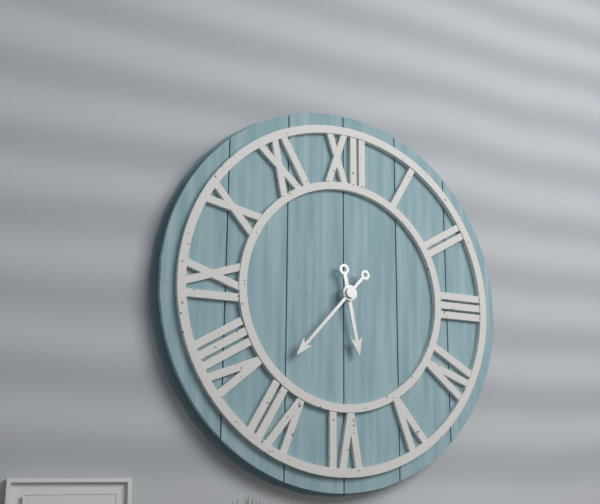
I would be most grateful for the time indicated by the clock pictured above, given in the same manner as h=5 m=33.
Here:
h=5 m=37
